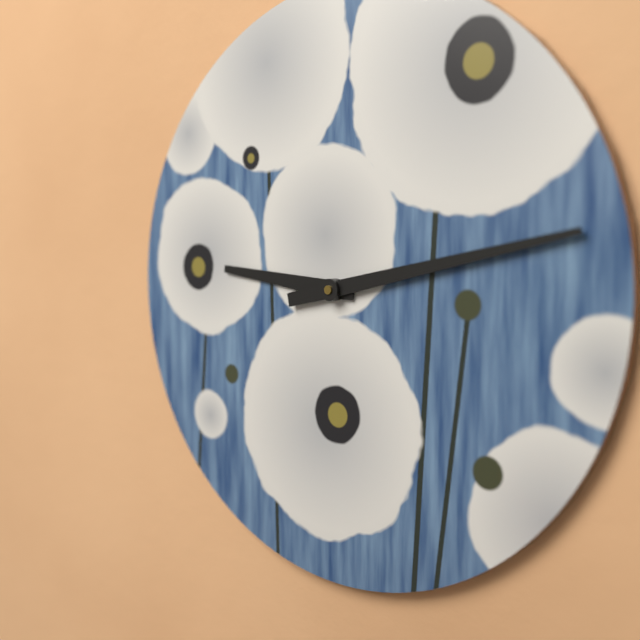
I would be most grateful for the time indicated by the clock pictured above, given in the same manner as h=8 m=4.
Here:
h=9 m=13
